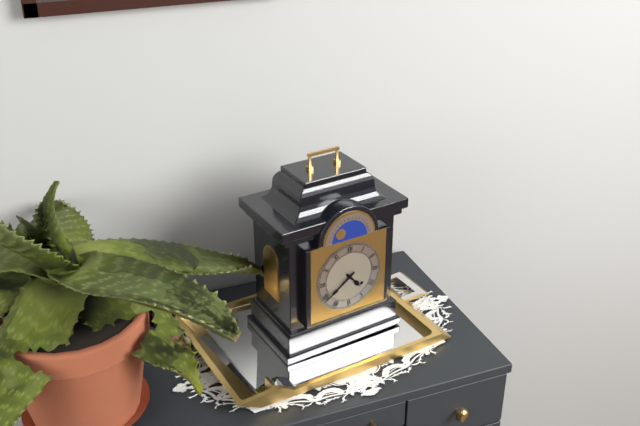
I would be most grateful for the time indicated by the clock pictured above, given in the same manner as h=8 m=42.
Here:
h=4 m=39
